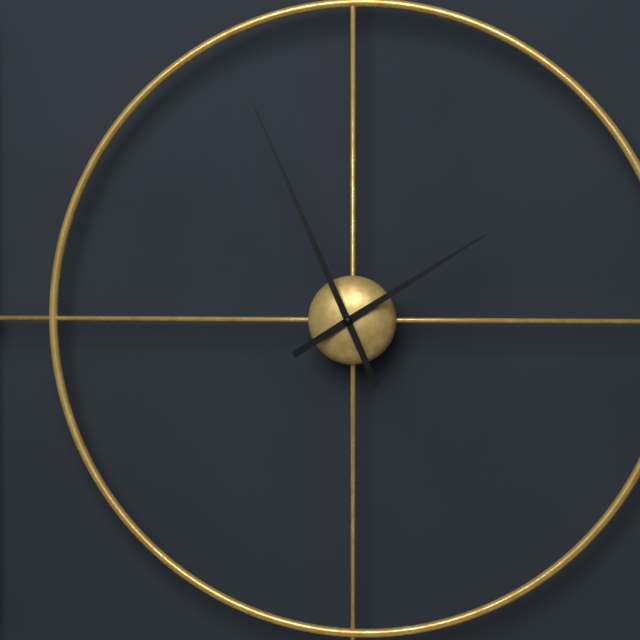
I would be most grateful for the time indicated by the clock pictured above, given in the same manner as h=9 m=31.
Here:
h=1 m=56
